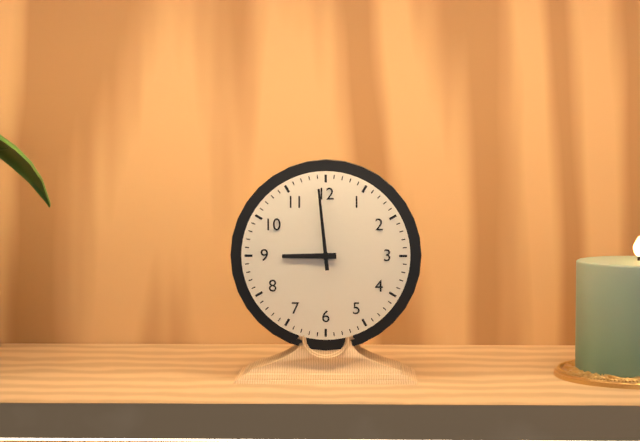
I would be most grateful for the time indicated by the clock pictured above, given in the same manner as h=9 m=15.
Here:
h=8 m=59
